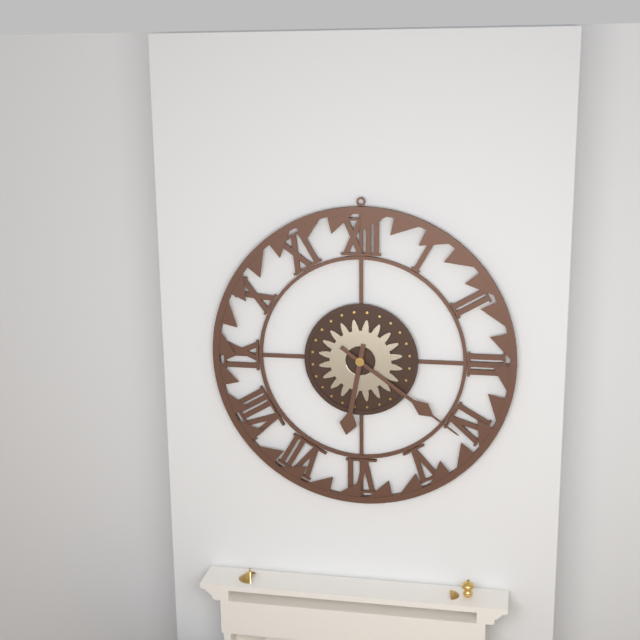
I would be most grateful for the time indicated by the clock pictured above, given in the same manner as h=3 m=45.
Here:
h=6 m=21
